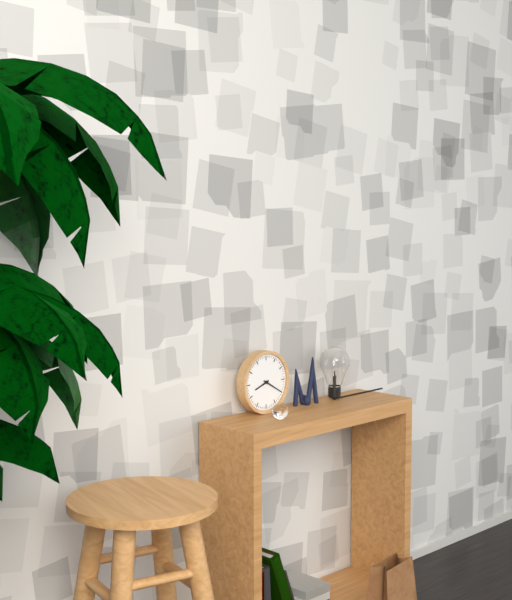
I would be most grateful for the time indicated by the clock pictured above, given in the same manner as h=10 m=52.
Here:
h=8 m=20
